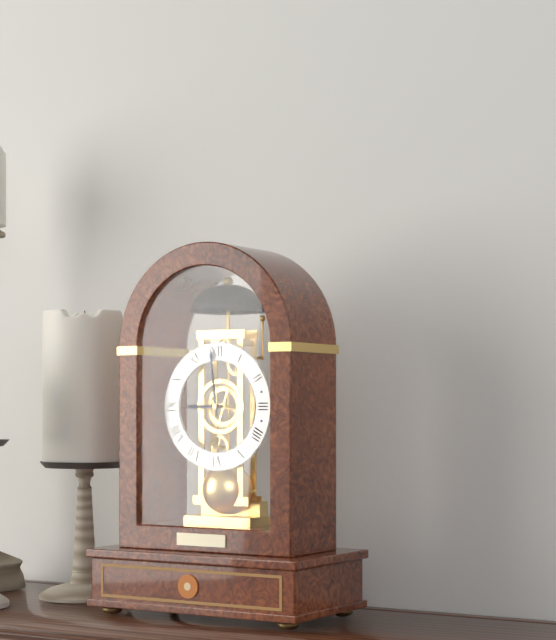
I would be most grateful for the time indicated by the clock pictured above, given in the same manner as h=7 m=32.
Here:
h=8 m=59
